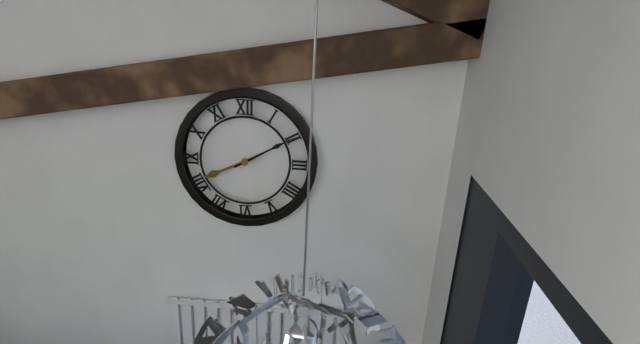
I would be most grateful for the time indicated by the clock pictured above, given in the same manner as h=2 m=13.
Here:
h=8 m=10
